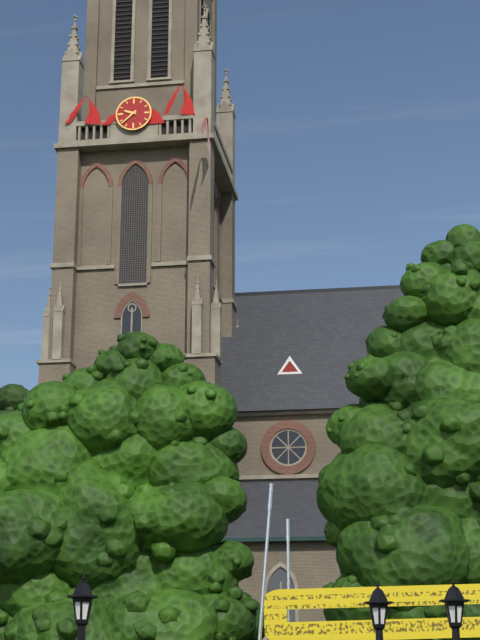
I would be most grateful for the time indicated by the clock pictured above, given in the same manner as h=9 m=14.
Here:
h=9 m=38
